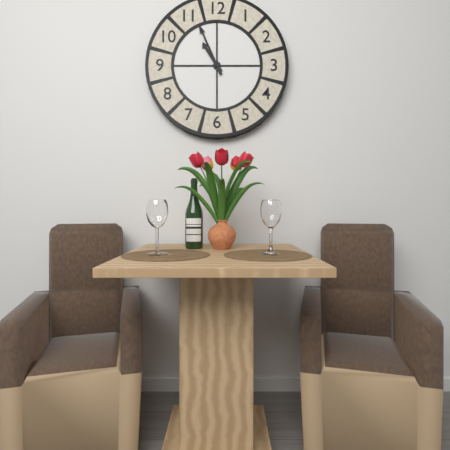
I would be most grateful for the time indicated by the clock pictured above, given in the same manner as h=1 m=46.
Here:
h=10 m=56
